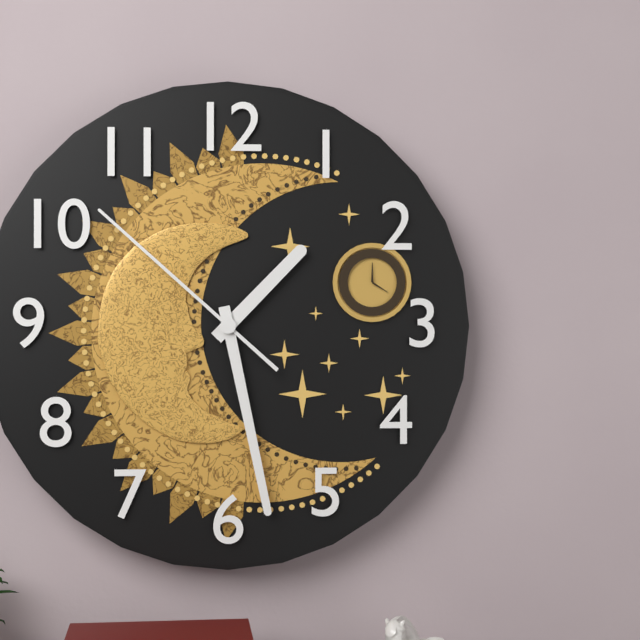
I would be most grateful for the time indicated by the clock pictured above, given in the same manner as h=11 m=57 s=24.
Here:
h=1 m=28 s=52
